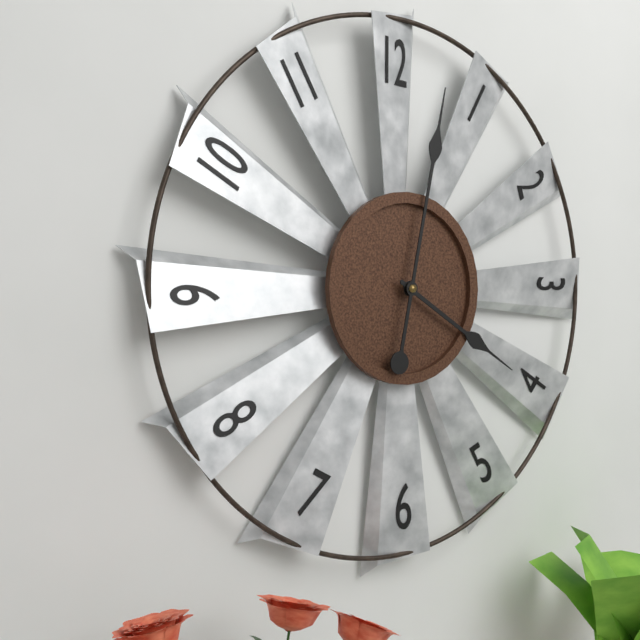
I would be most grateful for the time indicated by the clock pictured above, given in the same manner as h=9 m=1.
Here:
h=4 m=2
